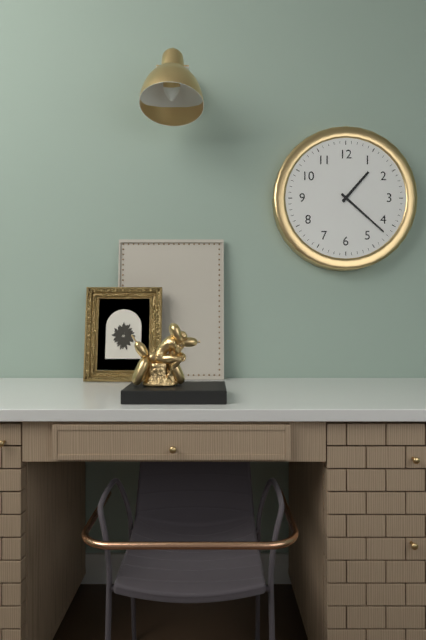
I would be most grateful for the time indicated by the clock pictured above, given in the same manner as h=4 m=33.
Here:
h=1 m=22
